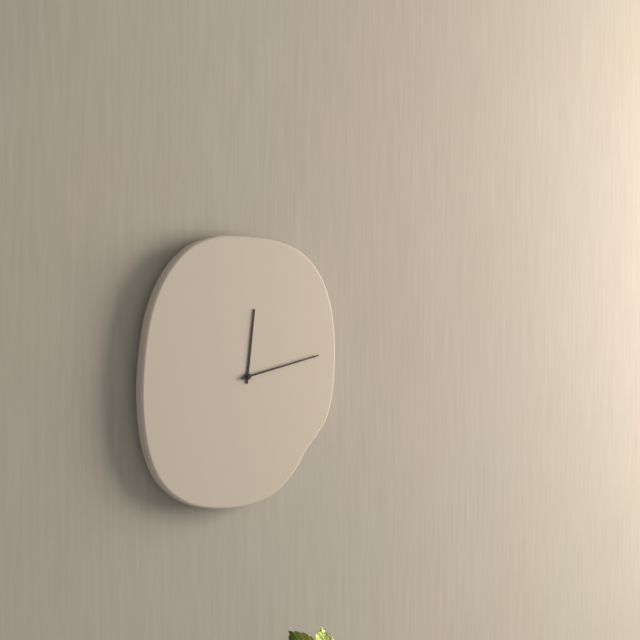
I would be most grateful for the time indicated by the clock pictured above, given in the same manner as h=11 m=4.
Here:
h=12 m=13
